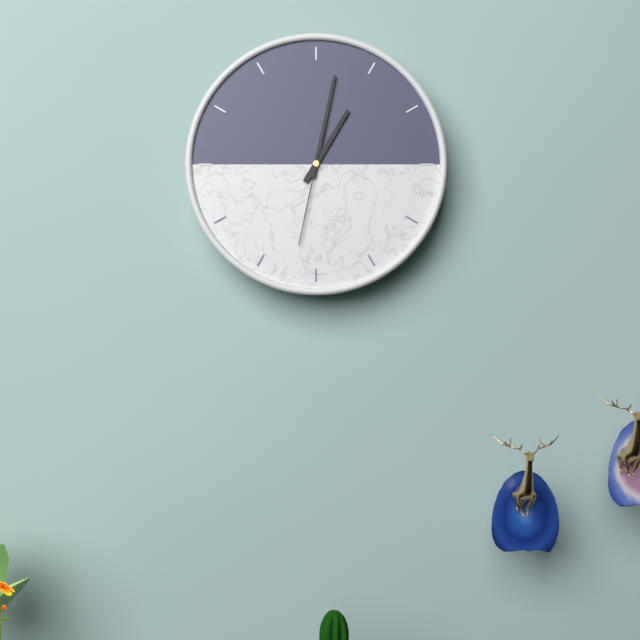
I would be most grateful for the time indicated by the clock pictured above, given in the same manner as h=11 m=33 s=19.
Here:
h=1 m=2 s=32
